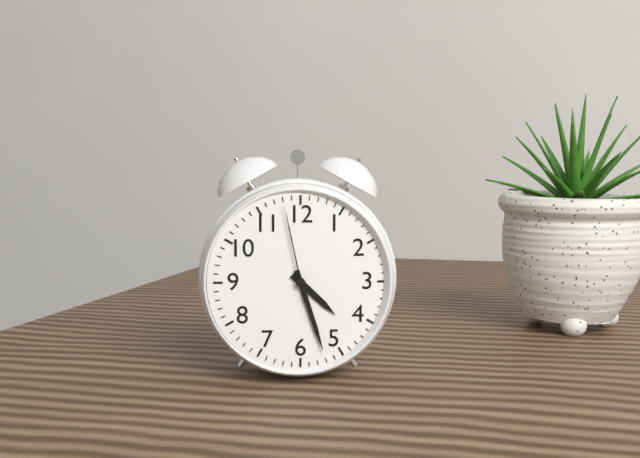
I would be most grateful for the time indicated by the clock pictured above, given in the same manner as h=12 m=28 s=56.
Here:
h=4 m=27 s=58
